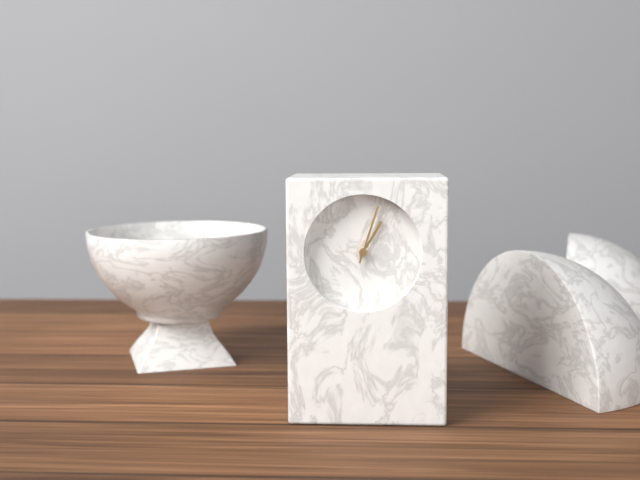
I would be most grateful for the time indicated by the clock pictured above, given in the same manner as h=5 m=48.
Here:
h=1 m=3
